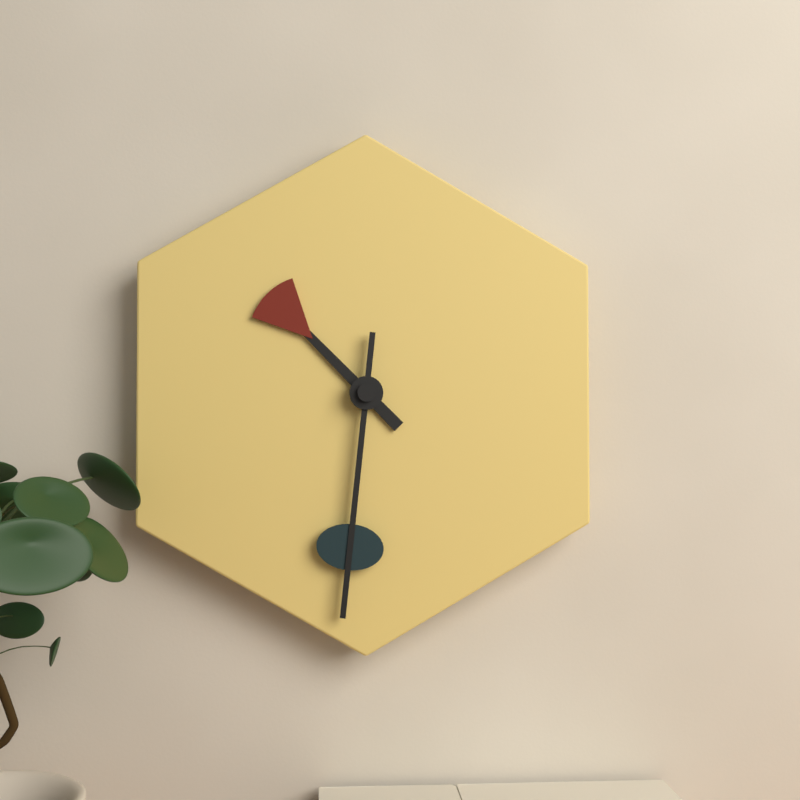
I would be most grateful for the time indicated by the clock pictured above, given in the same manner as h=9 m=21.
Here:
h=10 m=31
